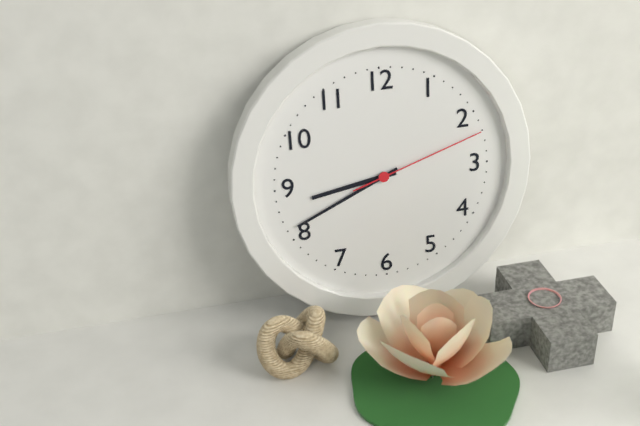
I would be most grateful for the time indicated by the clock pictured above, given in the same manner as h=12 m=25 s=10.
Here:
h=8 m=41 s=12
